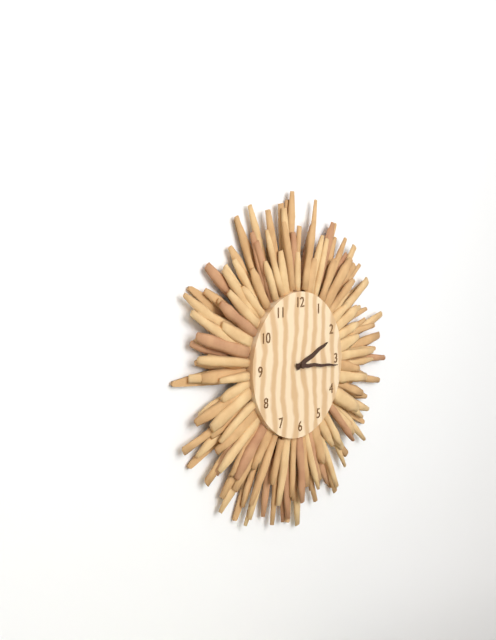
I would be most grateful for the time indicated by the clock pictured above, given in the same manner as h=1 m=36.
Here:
h=2 m=16
